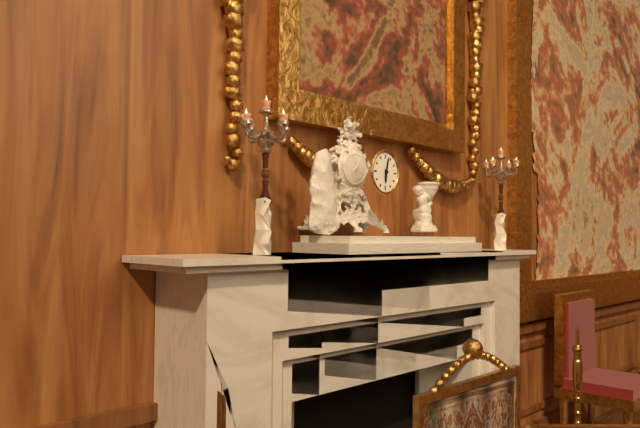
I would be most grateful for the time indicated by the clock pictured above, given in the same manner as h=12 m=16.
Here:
h=6 m=2
